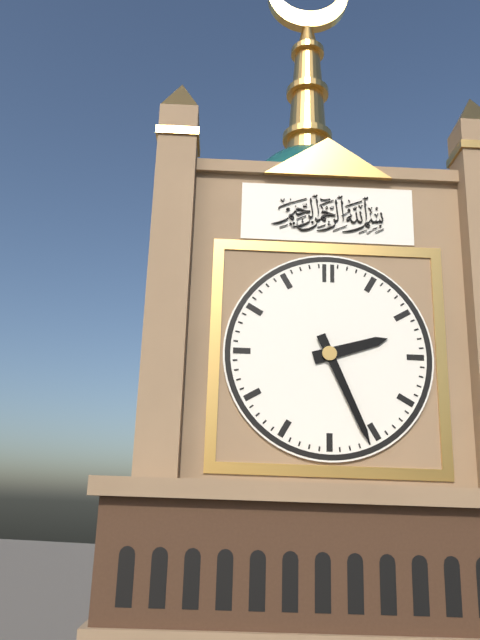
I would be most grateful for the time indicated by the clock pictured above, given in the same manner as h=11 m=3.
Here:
h=2 m=26
